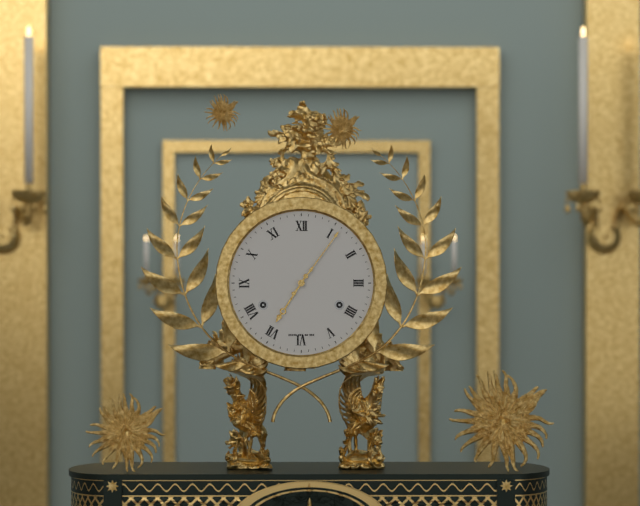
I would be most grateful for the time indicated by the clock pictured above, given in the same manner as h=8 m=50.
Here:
h=7 m=6
